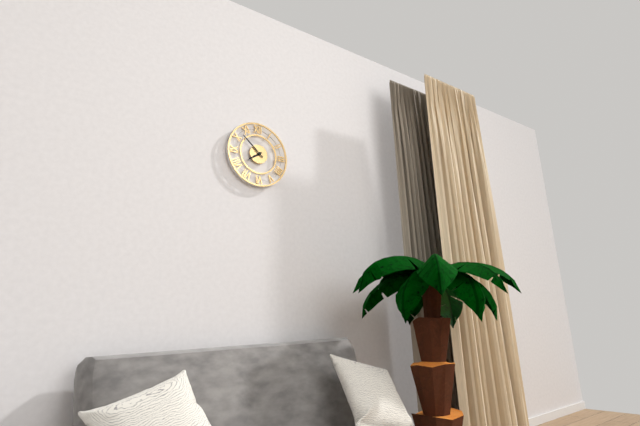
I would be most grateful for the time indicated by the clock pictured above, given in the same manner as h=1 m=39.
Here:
h=7 m=52
